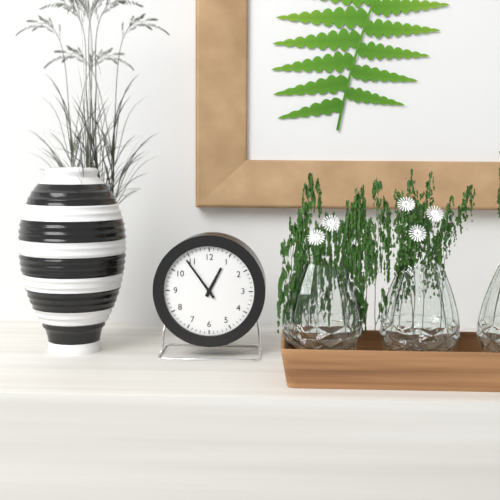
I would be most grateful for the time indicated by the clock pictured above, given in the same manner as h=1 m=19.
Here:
h=12 m=54
